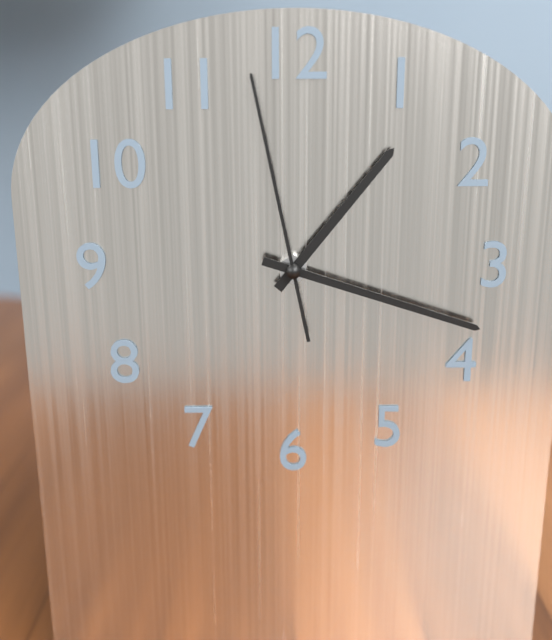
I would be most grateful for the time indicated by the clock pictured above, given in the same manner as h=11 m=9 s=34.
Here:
h=1 m=18 s=58
